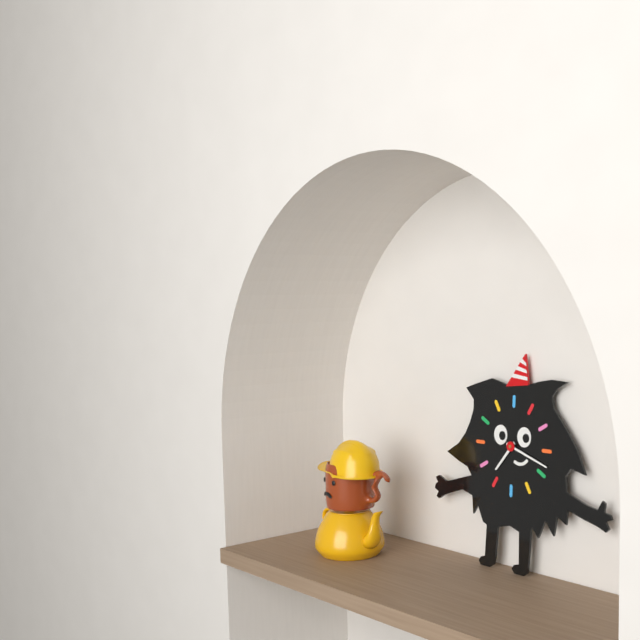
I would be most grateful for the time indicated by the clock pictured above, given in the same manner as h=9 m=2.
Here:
h=7 m=18
